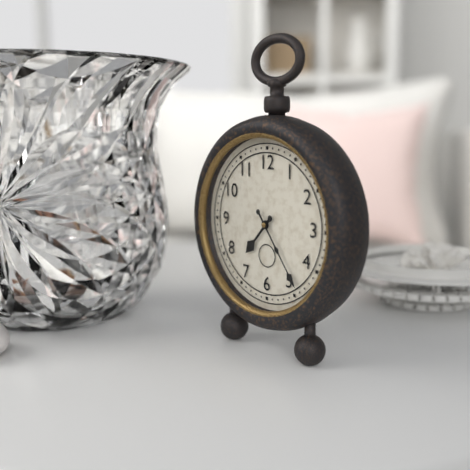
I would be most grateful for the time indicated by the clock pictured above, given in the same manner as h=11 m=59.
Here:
h=7 m=24
